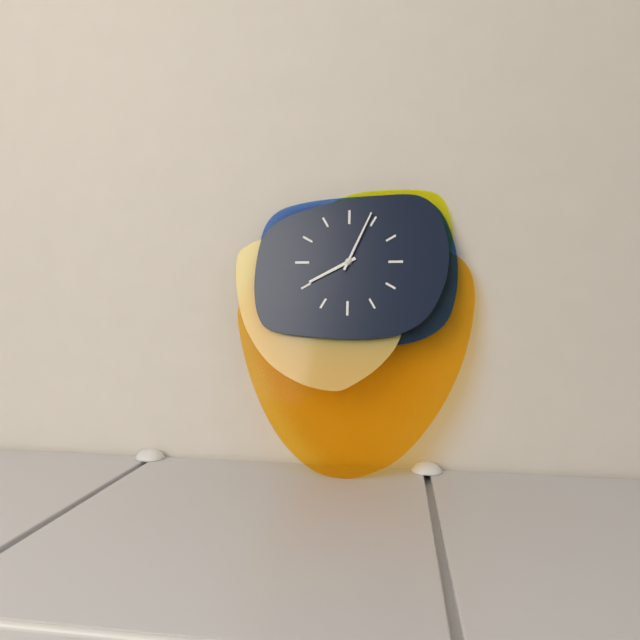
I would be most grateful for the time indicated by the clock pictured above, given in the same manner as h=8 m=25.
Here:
h=8 m=4
